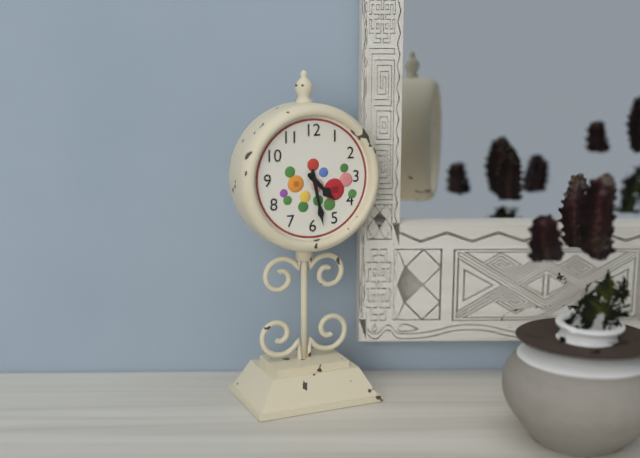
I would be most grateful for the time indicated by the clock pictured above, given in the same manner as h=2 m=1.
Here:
h=4 m=28
